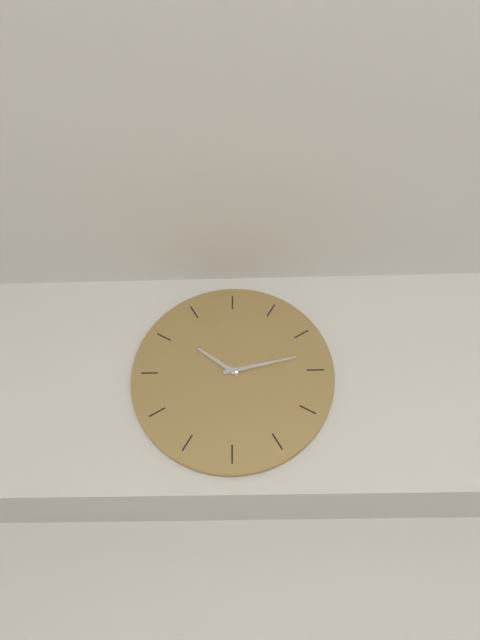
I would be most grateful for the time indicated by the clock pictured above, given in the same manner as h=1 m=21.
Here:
h=10 m=13
